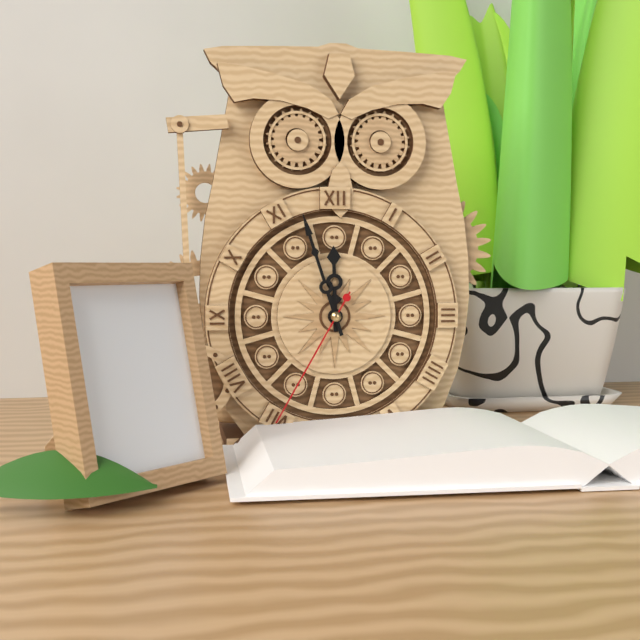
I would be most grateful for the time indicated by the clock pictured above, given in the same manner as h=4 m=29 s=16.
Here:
h=11 m=57 s=35
